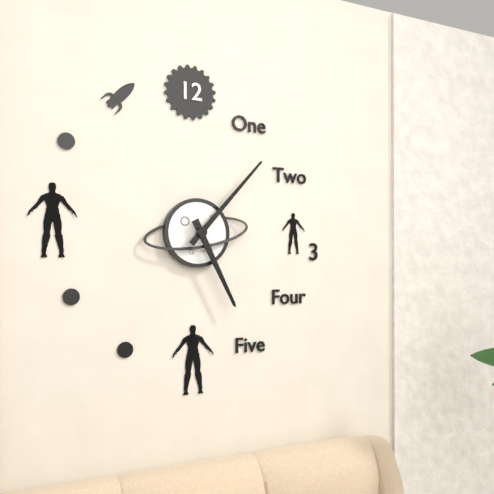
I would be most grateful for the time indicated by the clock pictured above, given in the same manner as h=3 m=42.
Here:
h=5 m=7
